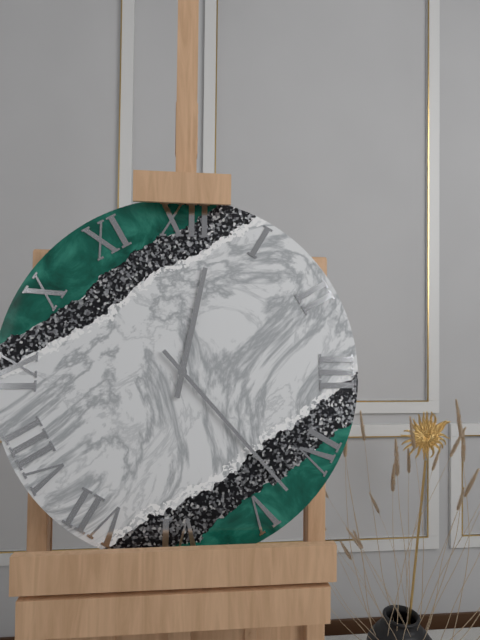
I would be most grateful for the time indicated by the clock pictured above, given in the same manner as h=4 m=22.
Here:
h=12 m=23
